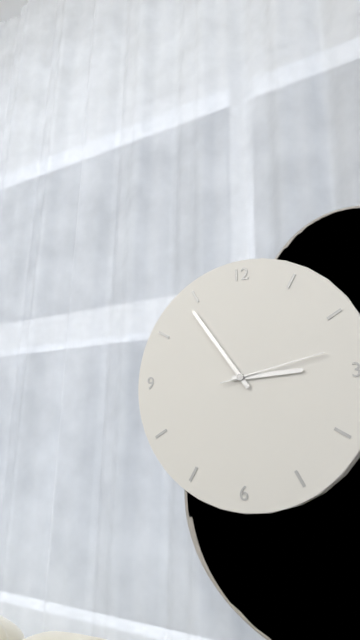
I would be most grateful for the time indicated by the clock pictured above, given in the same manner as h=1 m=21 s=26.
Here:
h=2 m=54 s=13
